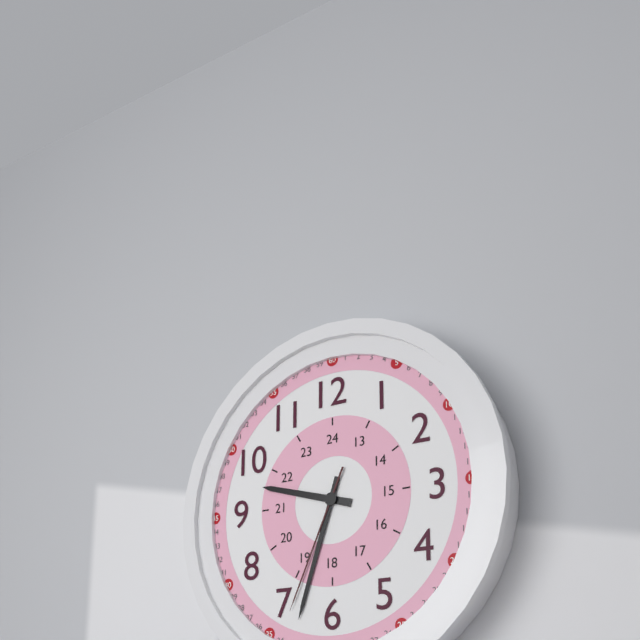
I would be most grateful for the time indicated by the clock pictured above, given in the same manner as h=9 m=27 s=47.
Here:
h=9 m=33 s=34
